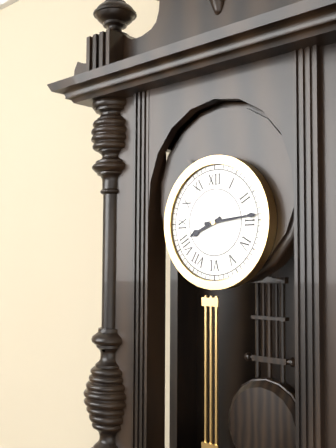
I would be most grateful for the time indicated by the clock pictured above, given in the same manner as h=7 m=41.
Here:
h=8 m=14
